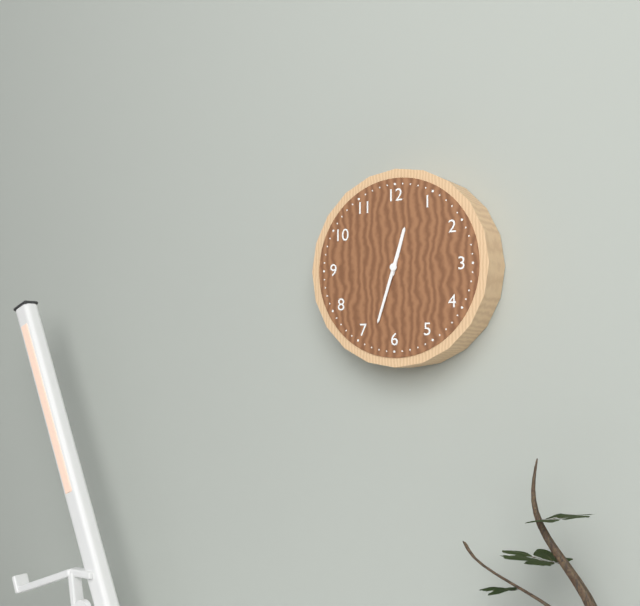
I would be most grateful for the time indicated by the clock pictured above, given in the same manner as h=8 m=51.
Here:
h=12 m=33
